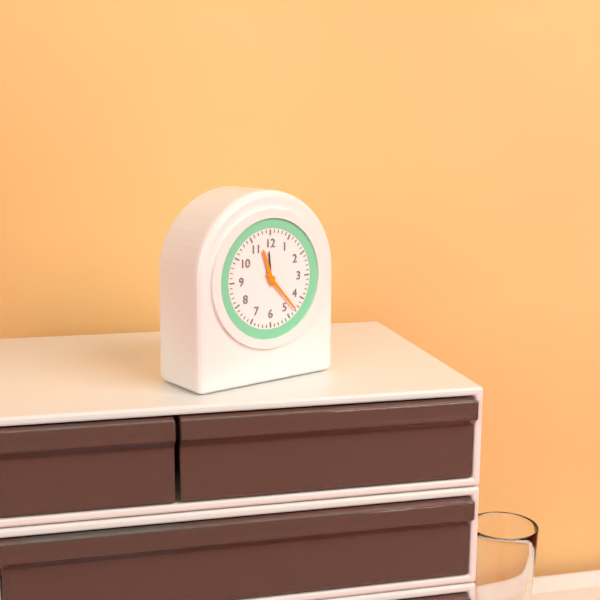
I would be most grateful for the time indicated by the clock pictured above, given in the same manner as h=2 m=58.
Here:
h=11 m=23
